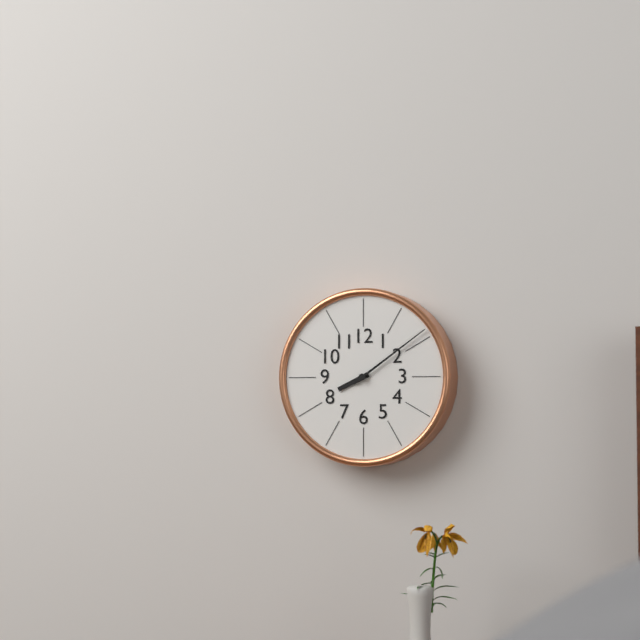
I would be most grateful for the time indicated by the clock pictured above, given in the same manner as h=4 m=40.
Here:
h=8 m=9
